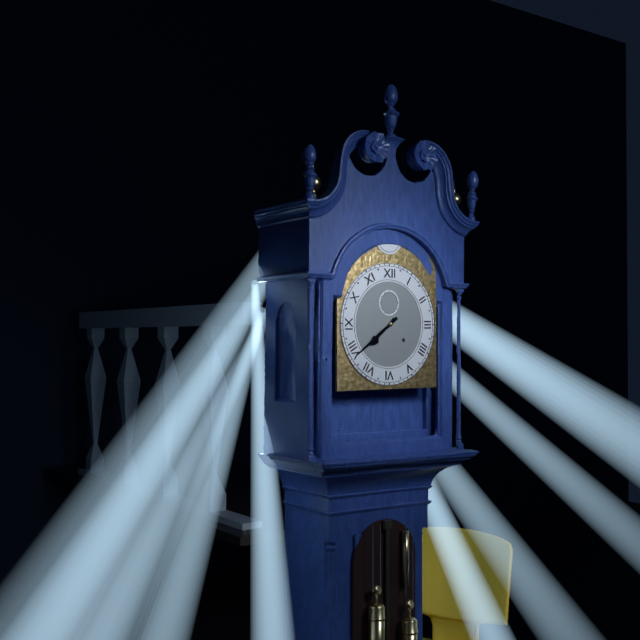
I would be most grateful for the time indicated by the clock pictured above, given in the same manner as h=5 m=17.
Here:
h=7 m=39
